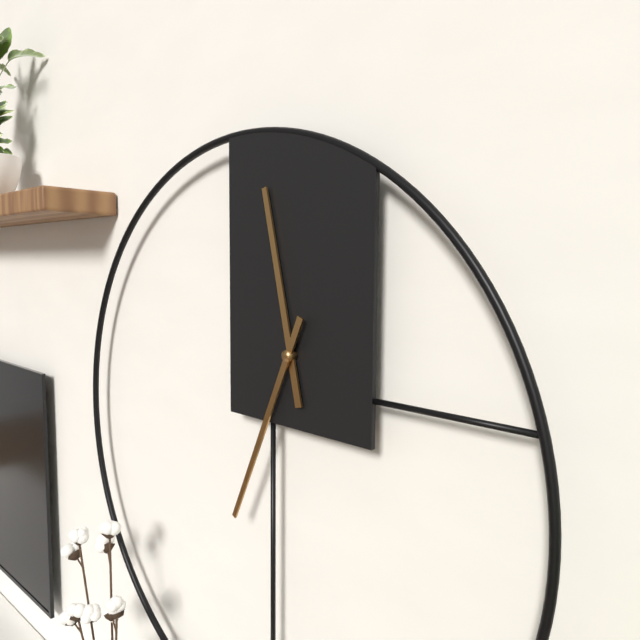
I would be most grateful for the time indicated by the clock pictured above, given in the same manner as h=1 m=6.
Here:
h=11 m=34
